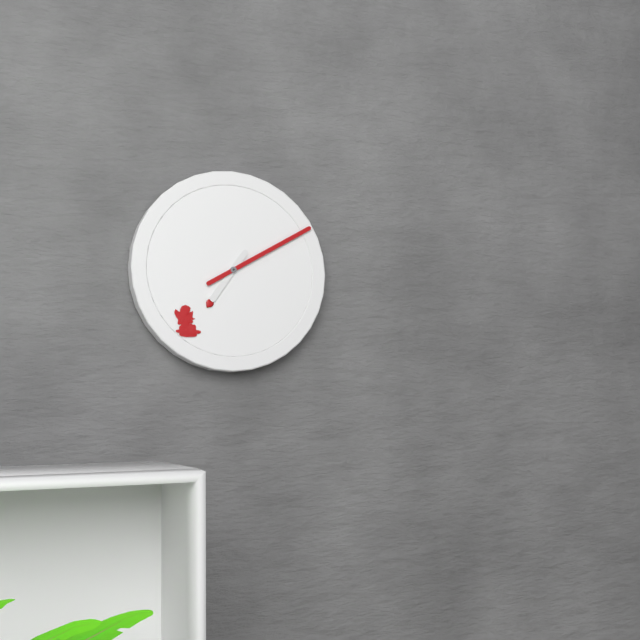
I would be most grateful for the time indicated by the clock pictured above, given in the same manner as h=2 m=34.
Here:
h=7 m=10
